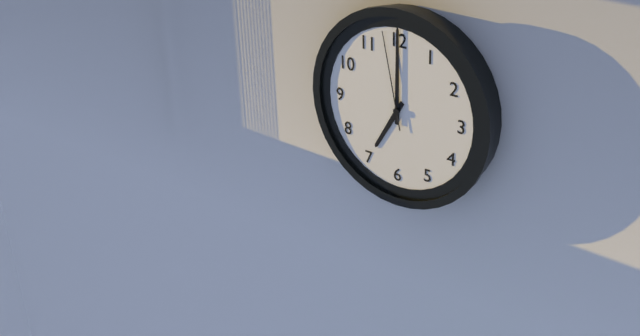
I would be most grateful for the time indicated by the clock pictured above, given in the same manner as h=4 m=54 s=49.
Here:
h=7 m=0 s=58
